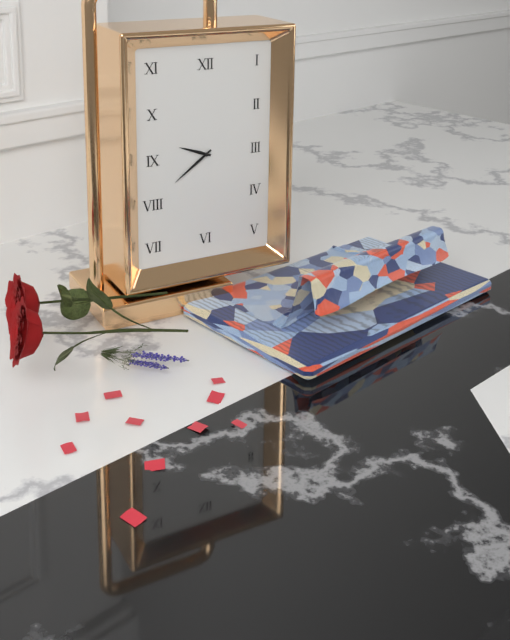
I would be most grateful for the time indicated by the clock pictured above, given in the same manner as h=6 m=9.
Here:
h=9 m=39
